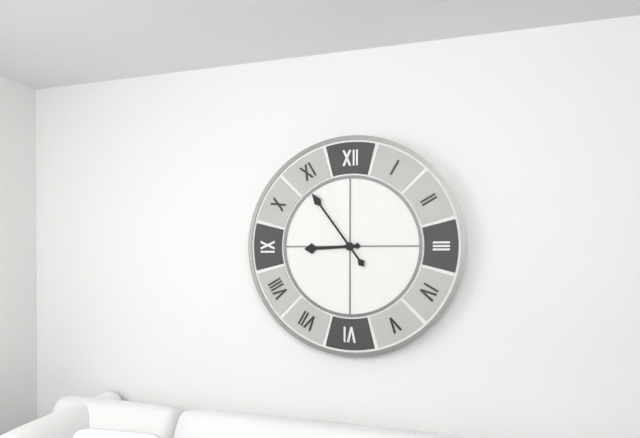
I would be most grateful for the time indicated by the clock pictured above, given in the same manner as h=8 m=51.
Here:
h=8 m=54
